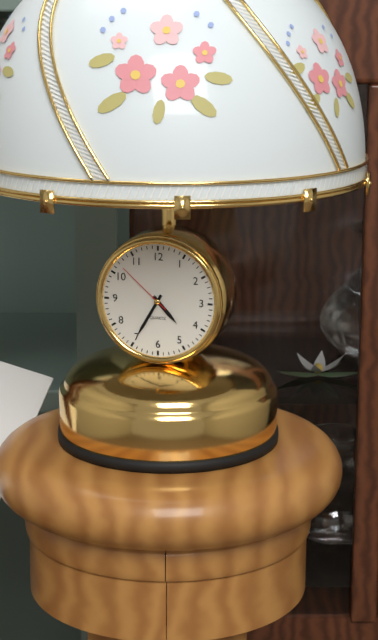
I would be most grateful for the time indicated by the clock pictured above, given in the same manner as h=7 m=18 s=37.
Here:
h=4 m=35 s=52
